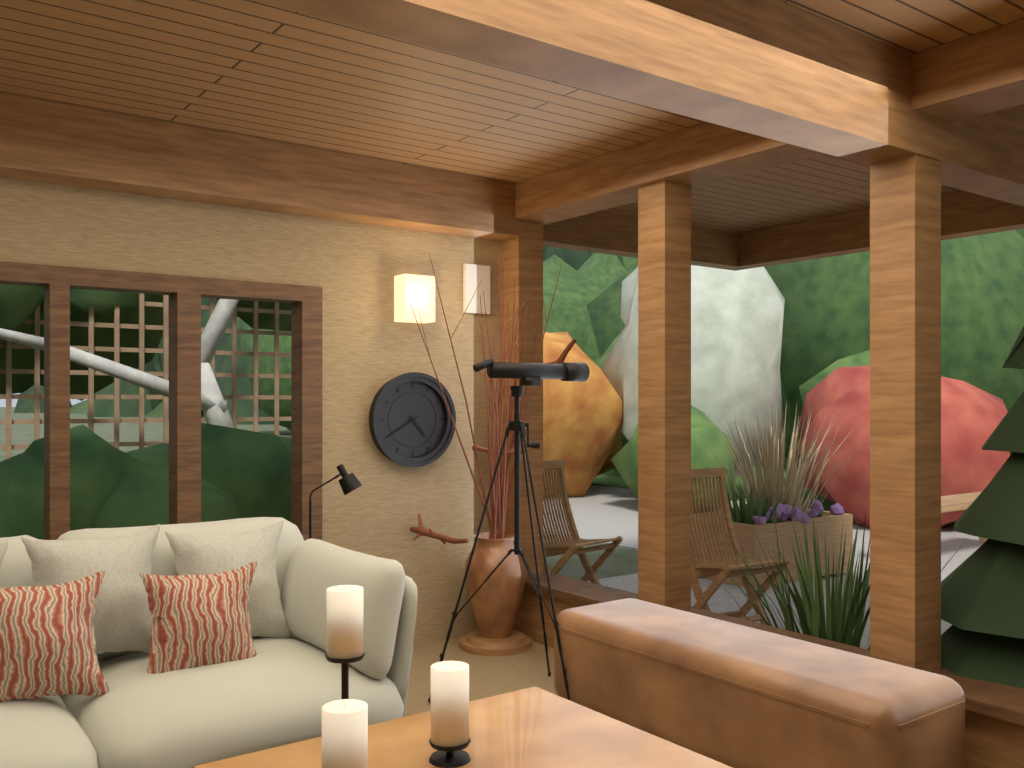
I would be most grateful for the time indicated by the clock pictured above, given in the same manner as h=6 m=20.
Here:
h=4 m=40
